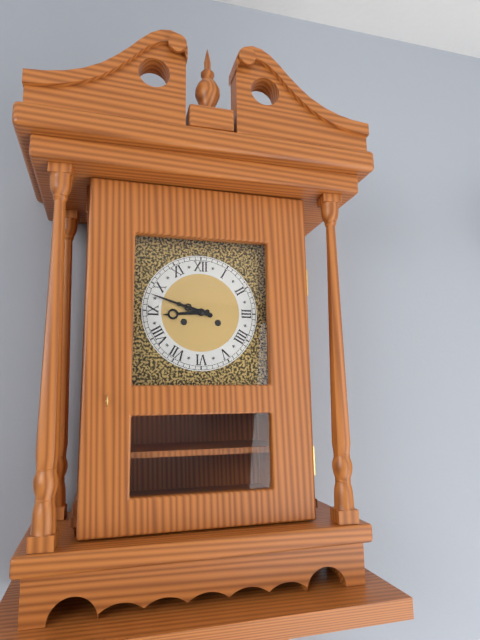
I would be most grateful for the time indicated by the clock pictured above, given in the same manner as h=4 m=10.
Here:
h=8 m=48
